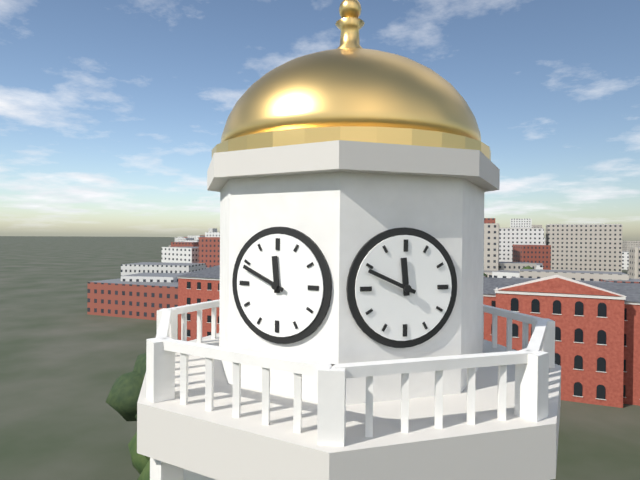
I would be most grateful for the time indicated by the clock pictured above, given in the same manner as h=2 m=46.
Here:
h=11 m=49
